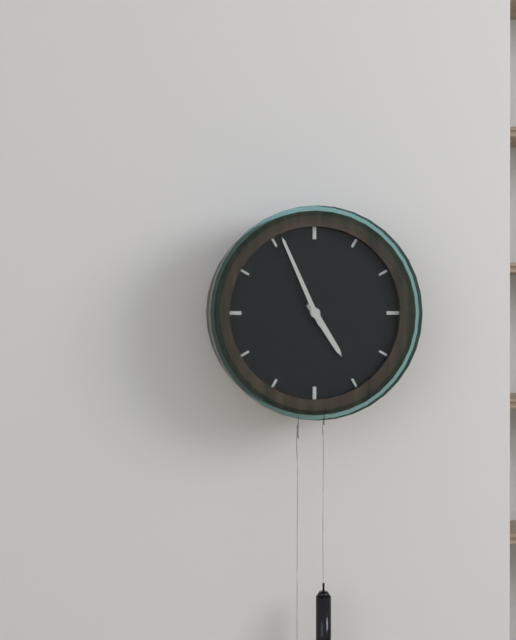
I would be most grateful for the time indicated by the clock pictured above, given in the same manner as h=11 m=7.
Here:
h=4 m=56
